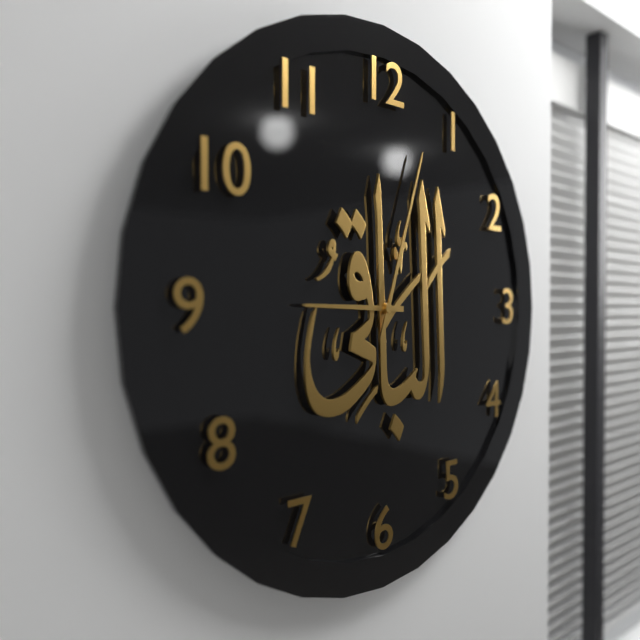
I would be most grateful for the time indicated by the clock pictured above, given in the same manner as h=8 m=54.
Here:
h=9 m=3
